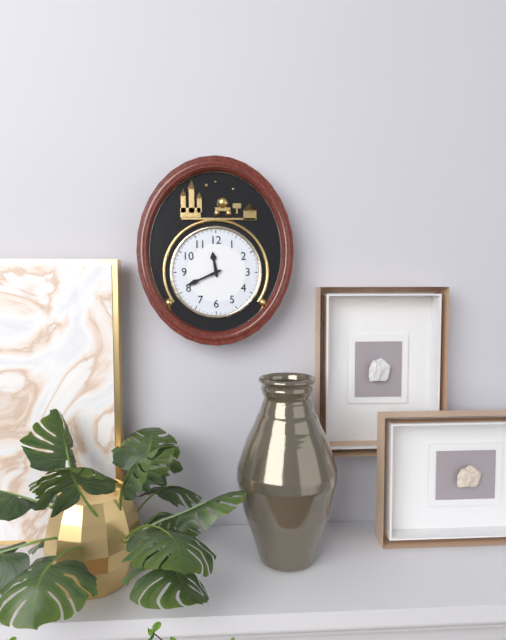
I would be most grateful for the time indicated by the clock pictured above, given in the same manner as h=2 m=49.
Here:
h=11 m=41
